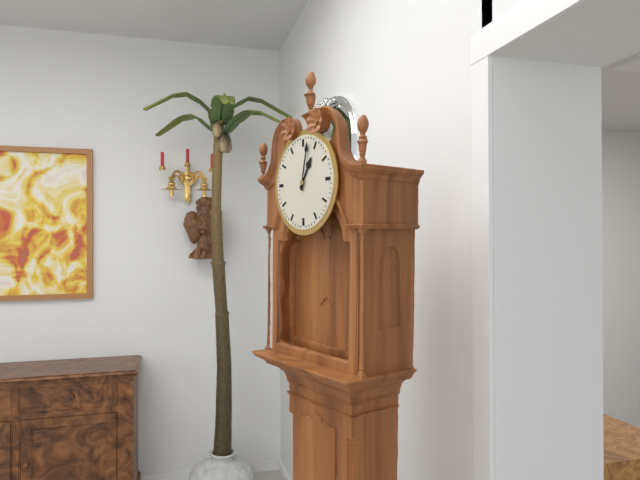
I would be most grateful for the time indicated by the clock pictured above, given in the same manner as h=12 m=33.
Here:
h=1 m=2
